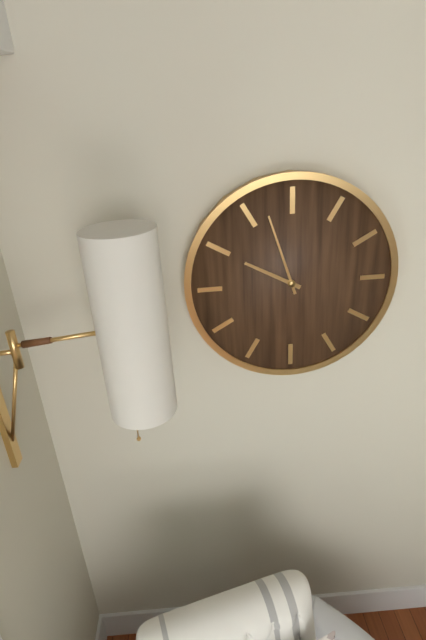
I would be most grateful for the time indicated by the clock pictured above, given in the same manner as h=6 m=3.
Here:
h=9 m=57
